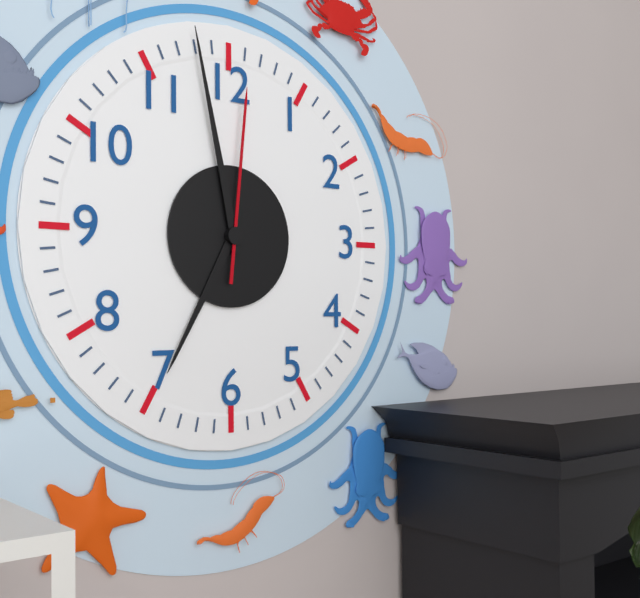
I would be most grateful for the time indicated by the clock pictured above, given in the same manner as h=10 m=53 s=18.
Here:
h=6 m=58 s=1
